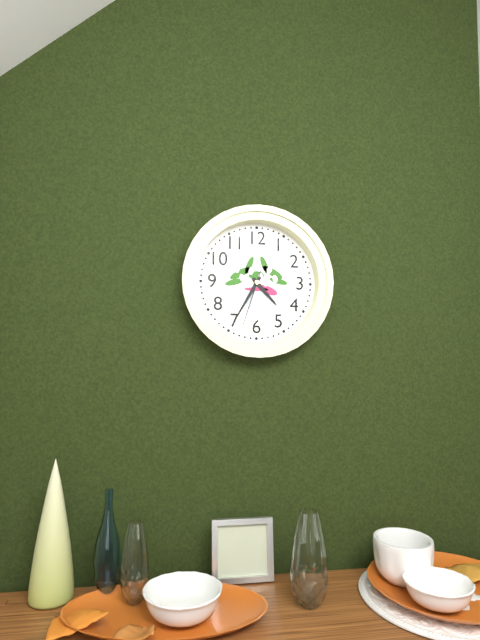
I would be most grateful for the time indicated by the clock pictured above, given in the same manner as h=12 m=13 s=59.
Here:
h=4 m=35 s=33
